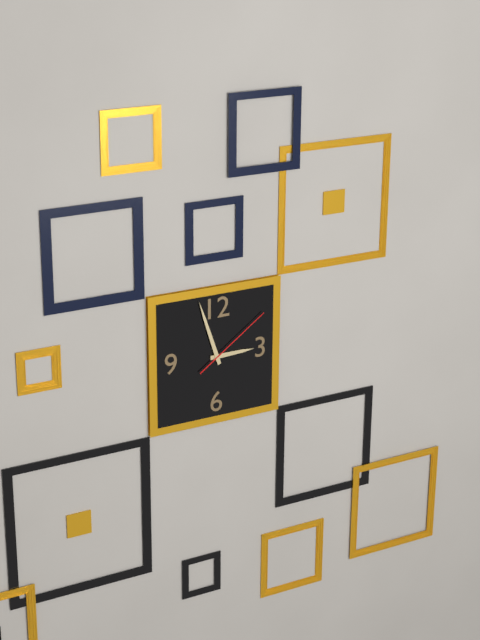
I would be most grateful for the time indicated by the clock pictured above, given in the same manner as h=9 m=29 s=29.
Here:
h=2 m=57 s=9
